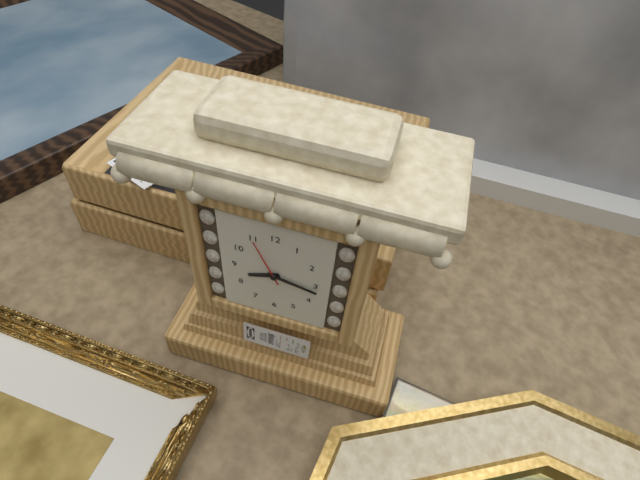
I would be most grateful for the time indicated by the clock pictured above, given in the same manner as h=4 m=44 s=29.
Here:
h=8 m=17 s=56
